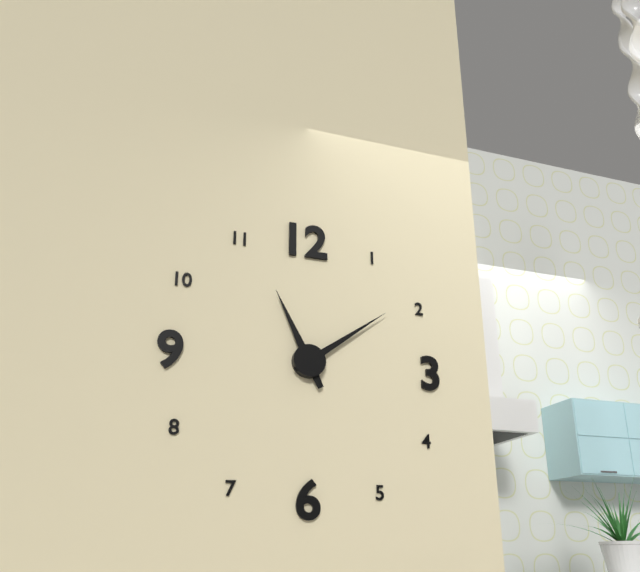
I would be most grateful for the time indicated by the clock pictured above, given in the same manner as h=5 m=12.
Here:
h=11 m=9
